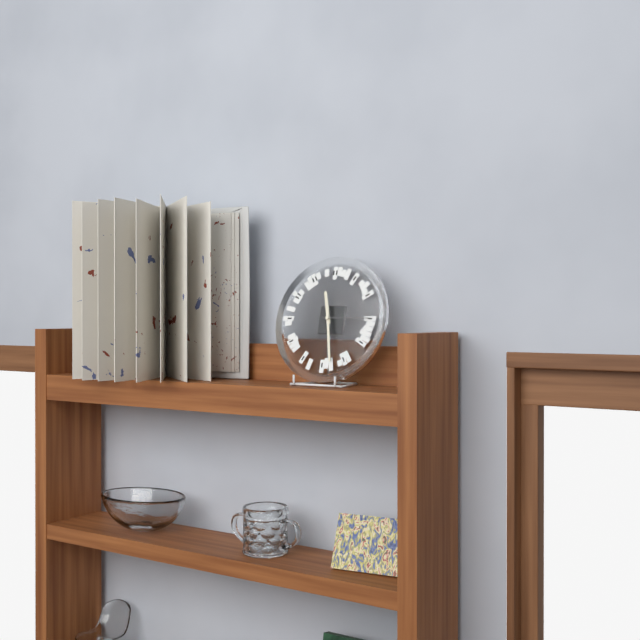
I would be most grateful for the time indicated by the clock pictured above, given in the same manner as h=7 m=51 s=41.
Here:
h=11 m=28 s=15
